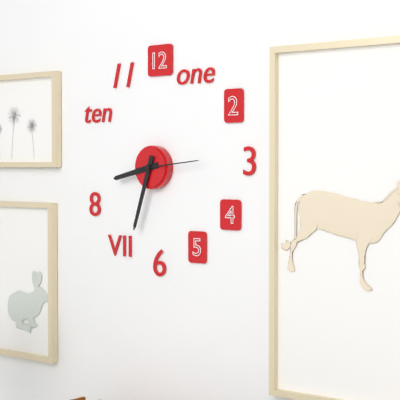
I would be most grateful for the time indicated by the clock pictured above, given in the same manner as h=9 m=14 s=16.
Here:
h=8 m=33 s=14
